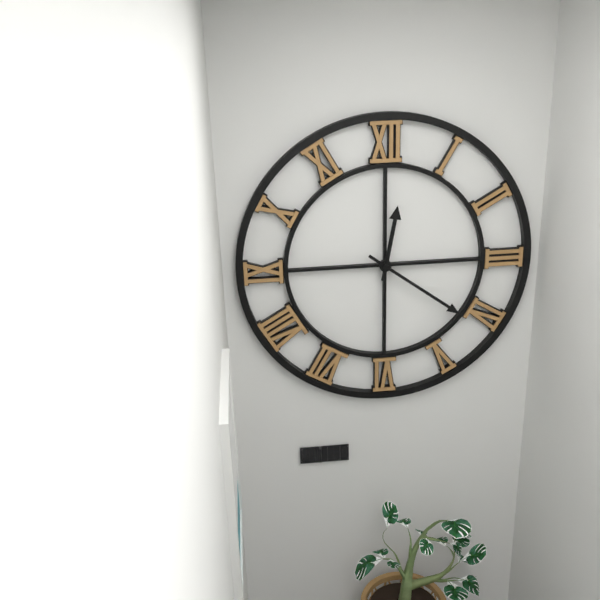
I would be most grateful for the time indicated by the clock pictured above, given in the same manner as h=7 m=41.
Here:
h=12 m=21
